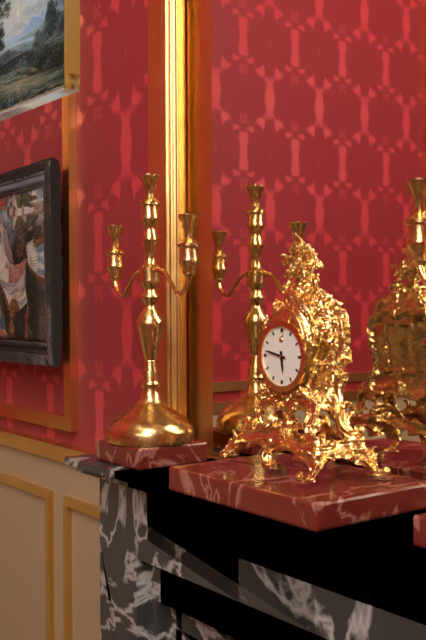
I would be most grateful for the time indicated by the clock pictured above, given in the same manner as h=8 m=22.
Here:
h=5 m=47
